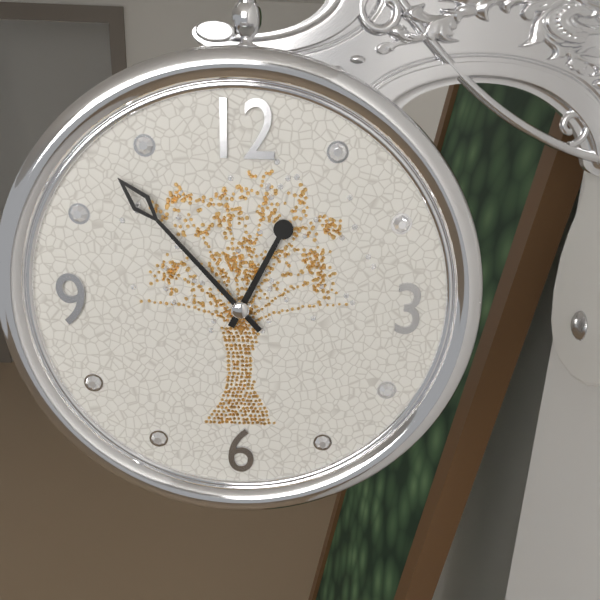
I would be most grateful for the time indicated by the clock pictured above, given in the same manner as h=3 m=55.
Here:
h=12 m=53
